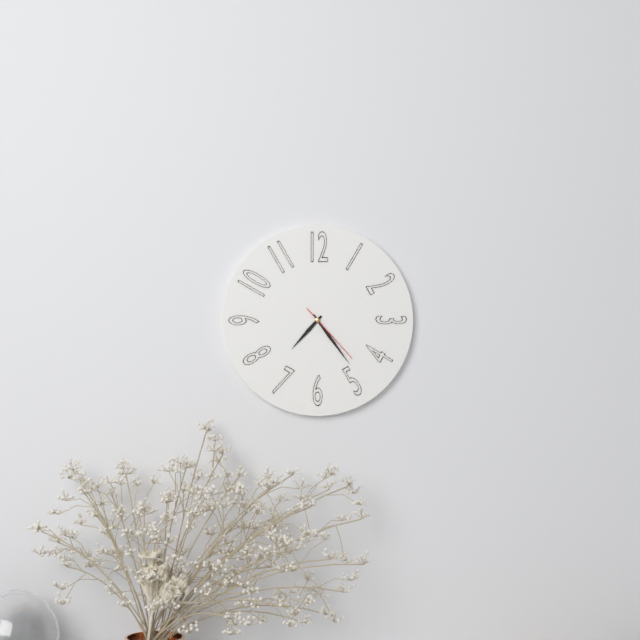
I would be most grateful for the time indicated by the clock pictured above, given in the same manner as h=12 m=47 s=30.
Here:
h=7 m=24 s=23
